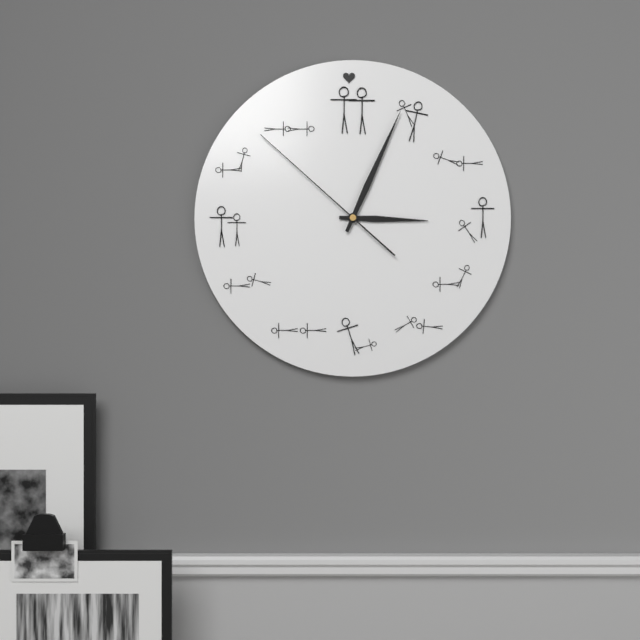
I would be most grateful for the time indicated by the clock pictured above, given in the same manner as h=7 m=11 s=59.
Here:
h=3 m=4 s=52
